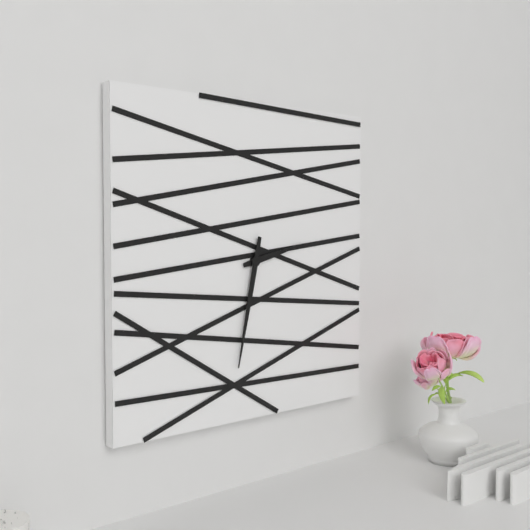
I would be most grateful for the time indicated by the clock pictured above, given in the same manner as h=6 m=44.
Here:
h=2 m=32
